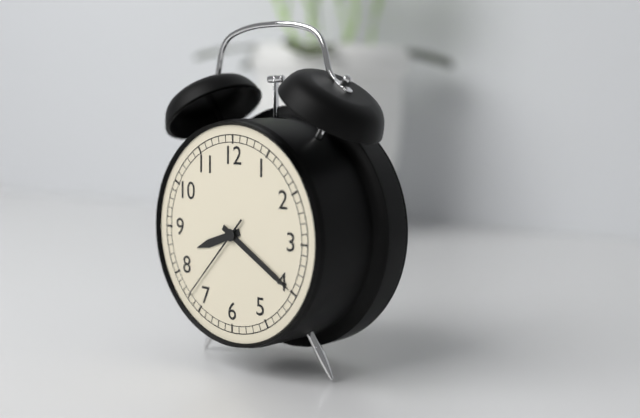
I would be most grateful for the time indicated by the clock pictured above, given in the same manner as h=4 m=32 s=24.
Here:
h=8 m=20 s=37
